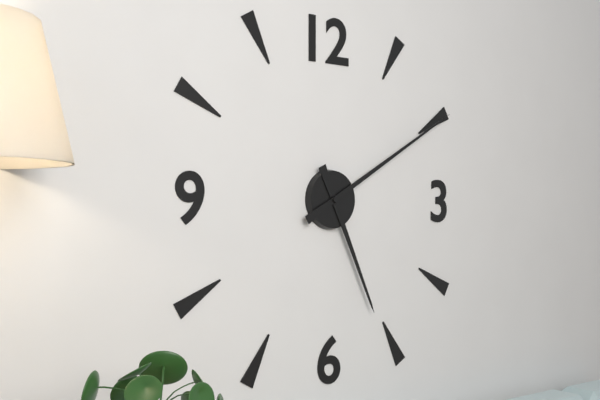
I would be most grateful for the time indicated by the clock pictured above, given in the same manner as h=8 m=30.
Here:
h=5 m=10
